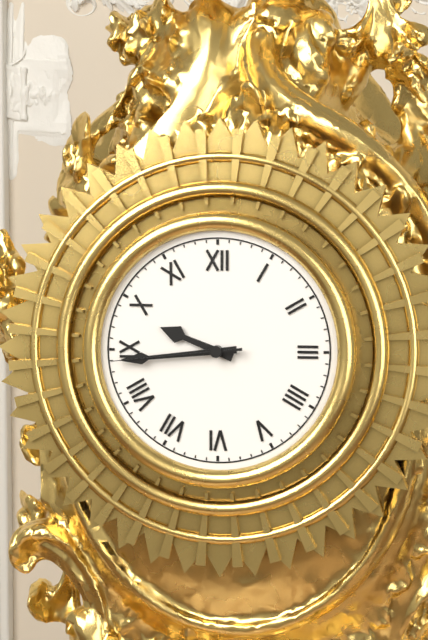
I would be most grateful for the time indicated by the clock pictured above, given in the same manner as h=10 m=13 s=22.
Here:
h=9 m=44 s=44
